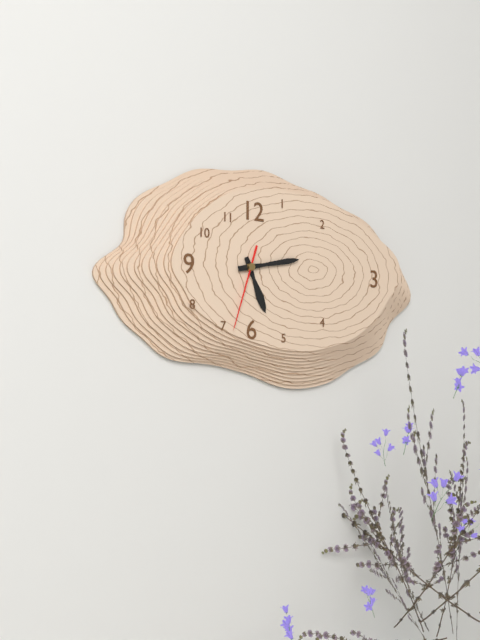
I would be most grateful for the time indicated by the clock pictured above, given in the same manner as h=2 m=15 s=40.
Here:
h=5 m=13 s=33
